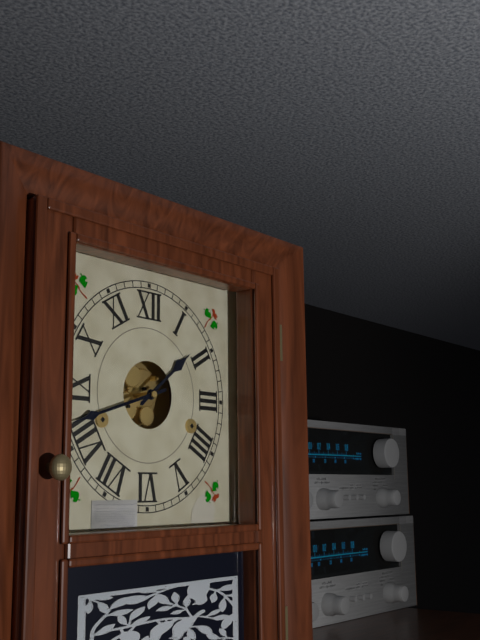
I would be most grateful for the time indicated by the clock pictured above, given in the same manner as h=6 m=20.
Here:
h=1 m=42
